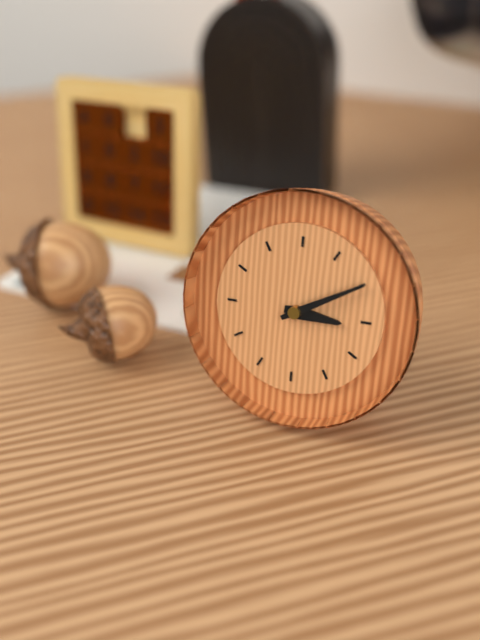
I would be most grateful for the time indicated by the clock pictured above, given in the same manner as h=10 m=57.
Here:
h=3 m=10
